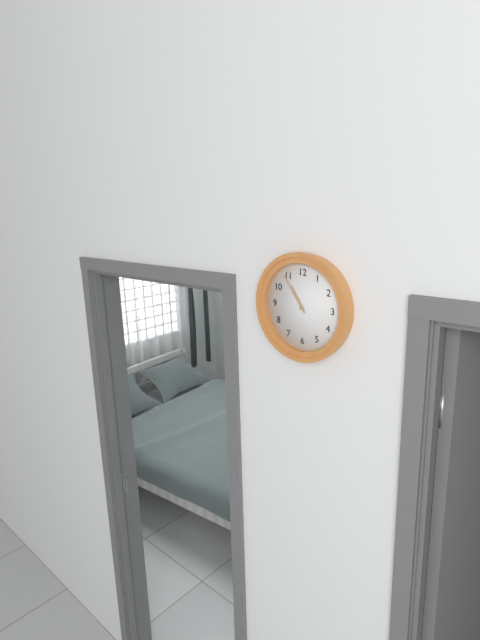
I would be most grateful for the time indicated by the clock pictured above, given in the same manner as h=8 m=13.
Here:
h=10 m=54
